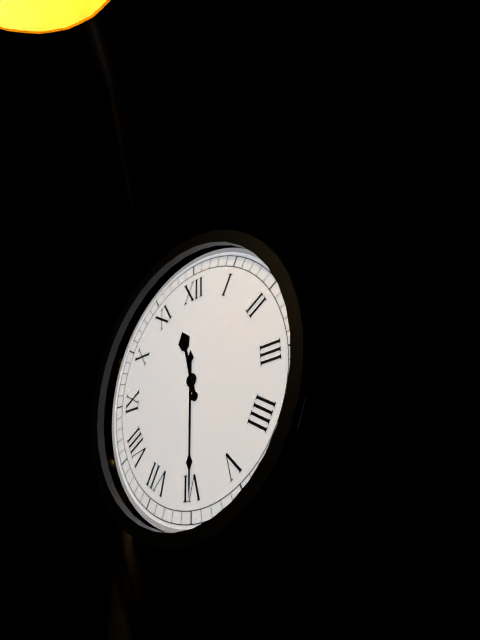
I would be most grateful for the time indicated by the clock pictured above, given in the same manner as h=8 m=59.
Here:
h=11 m=30
